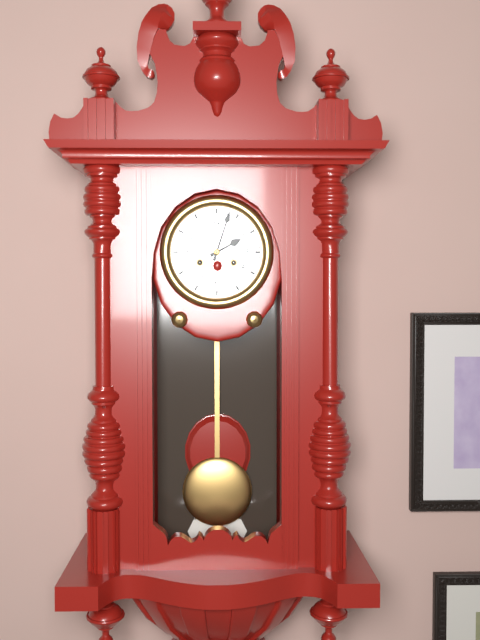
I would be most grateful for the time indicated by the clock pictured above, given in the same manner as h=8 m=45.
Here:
h=2 m=3
